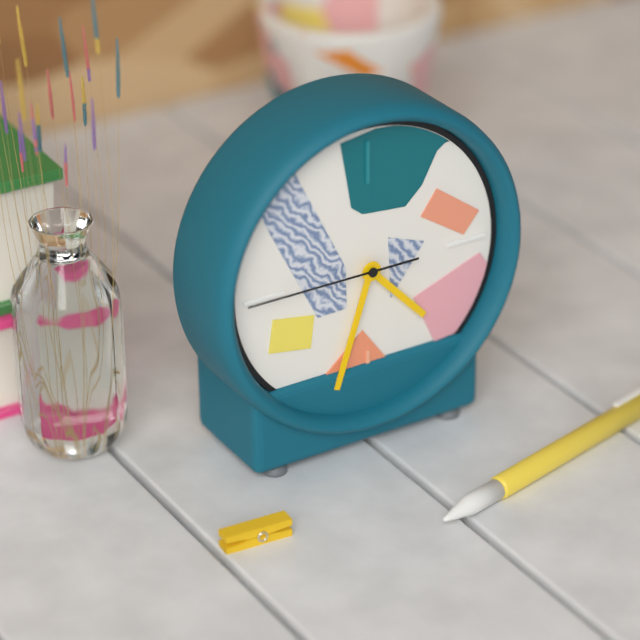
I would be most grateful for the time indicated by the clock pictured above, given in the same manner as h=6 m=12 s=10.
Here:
h=4 m=33 s=45
